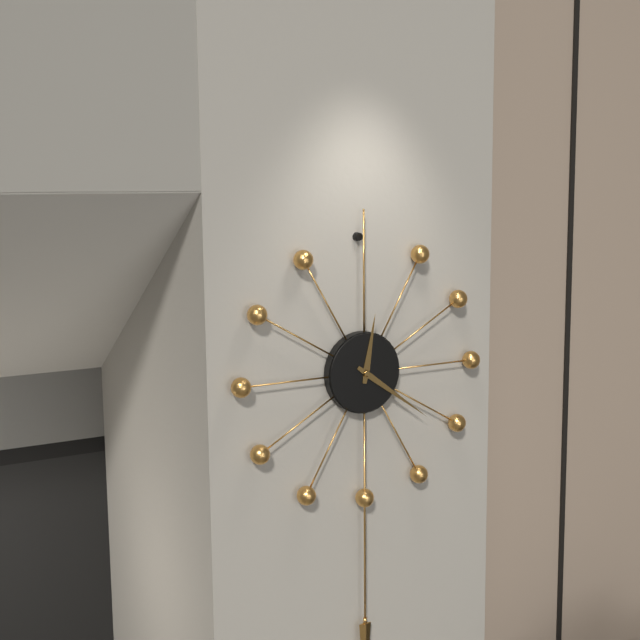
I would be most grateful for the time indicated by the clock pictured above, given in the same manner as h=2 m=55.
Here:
h=12 m=21
